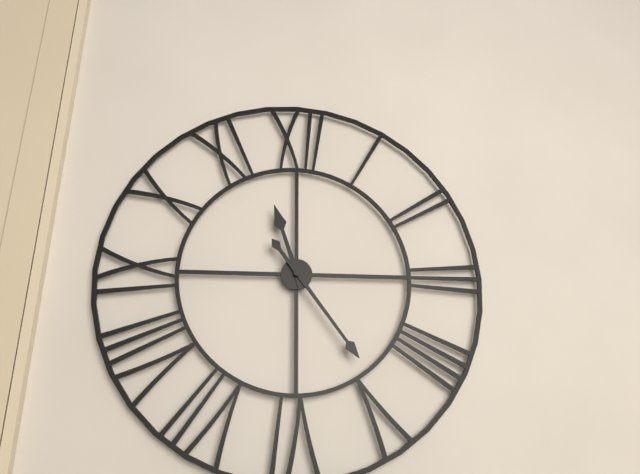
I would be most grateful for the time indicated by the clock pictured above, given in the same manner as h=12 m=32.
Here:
h=11 m=24
